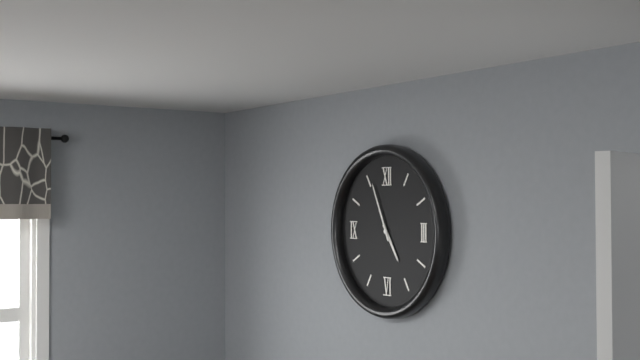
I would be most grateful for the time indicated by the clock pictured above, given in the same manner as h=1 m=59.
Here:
h=4 m=56
